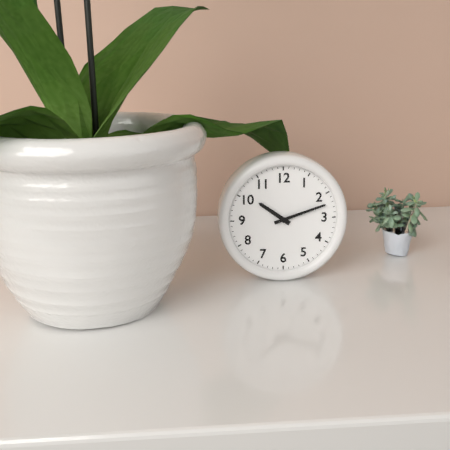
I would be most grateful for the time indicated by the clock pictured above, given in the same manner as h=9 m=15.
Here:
h=10 m=12
